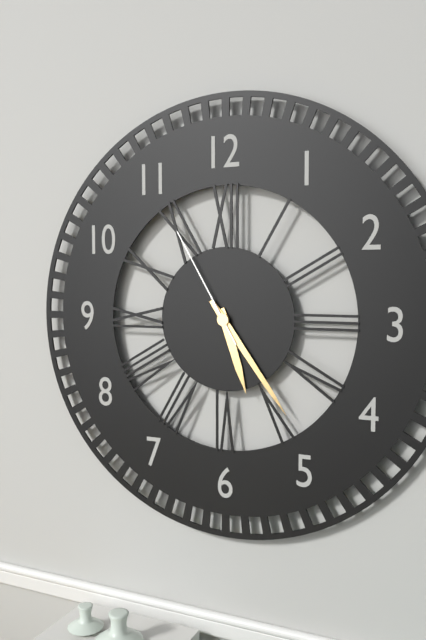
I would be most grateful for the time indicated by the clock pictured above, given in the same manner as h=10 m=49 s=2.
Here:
h=5 m=24 s=55
